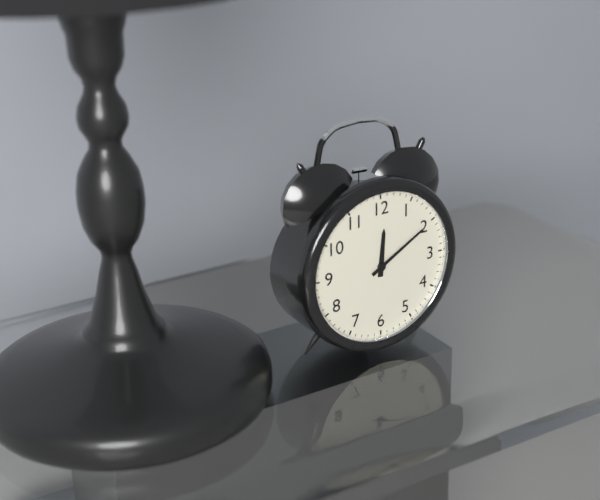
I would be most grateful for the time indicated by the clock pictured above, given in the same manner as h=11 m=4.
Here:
h=12 m=10
